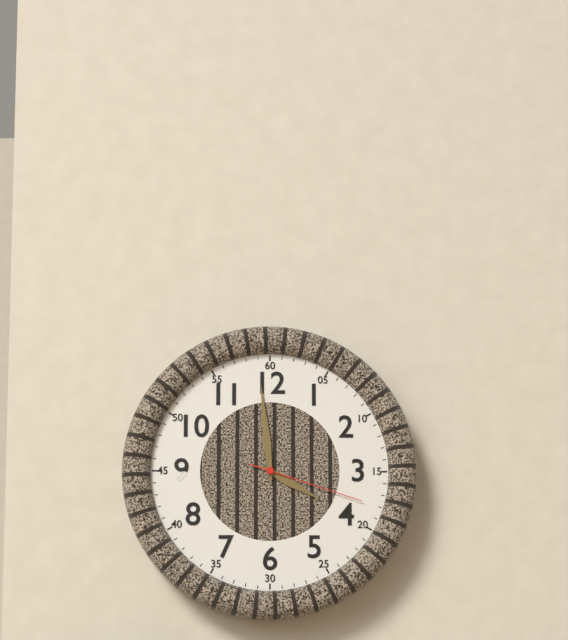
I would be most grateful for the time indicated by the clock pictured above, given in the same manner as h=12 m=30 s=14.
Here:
h=3 m=59 s=18
